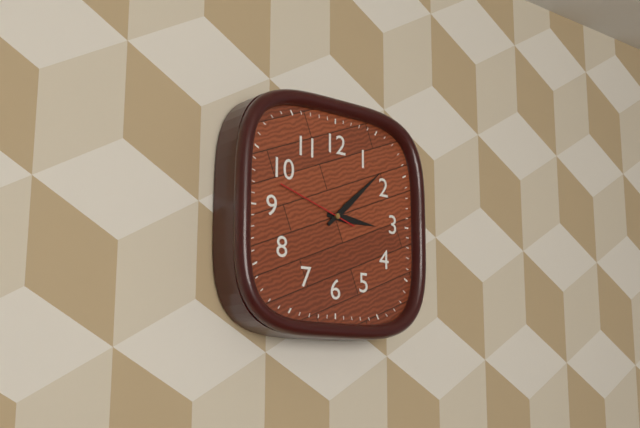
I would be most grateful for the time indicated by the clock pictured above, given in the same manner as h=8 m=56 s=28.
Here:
h=3 m=8 s=48
